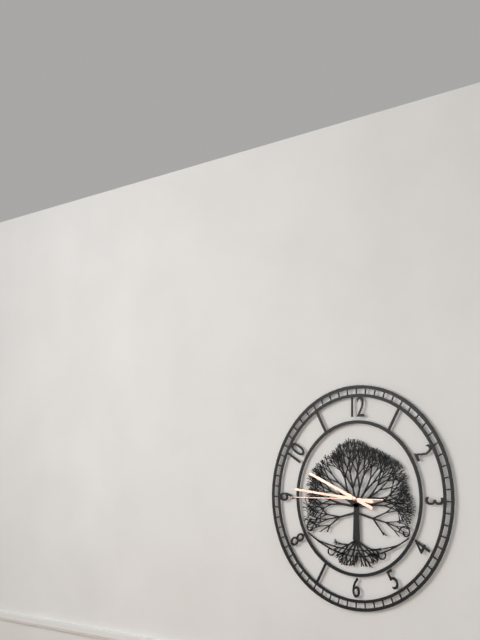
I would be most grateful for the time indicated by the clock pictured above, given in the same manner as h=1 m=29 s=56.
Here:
h=9 m=46 s=45
